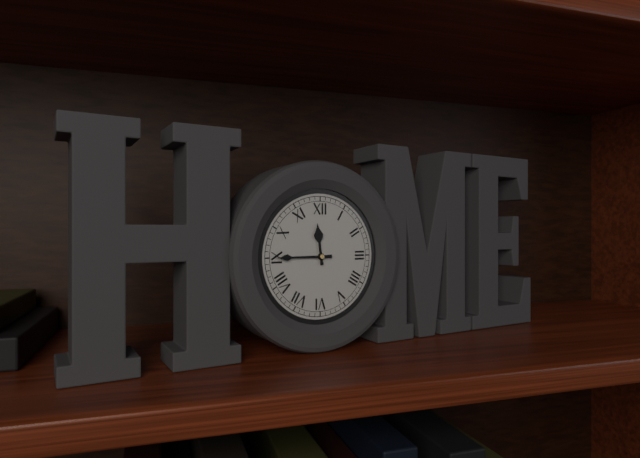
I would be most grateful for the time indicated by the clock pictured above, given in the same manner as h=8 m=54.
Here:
h=11 m=45
